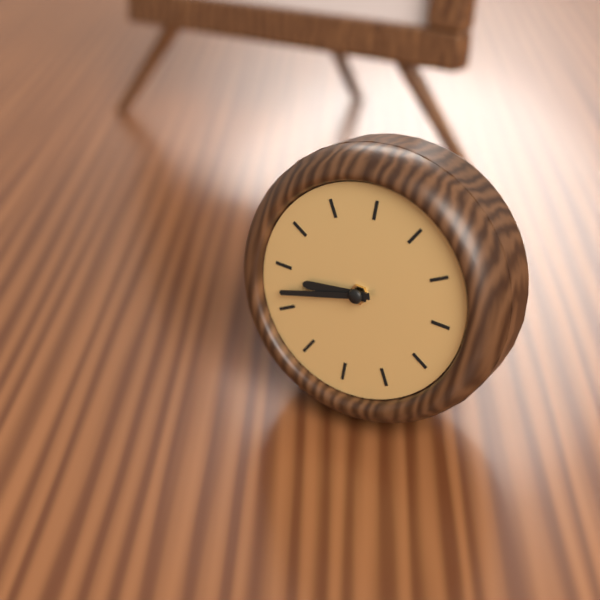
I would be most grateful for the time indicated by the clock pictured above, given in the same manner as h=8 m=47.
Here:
h=8 m=42
